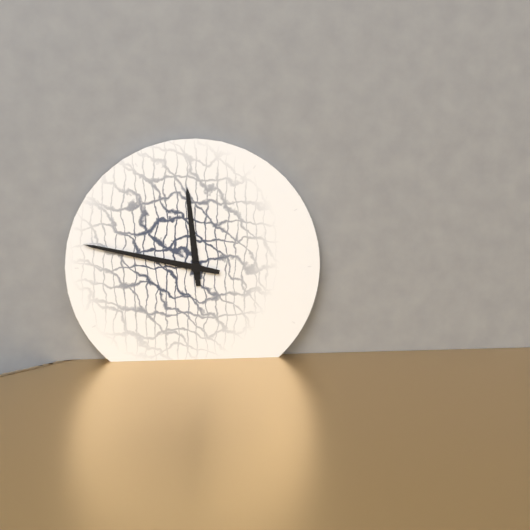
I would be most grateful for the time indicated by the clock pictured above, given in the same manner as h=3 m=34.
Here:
h=11 m=47
